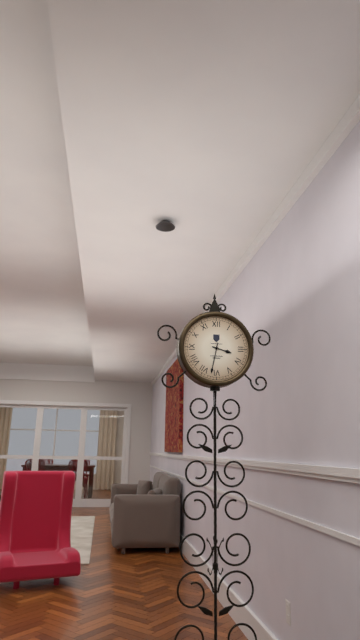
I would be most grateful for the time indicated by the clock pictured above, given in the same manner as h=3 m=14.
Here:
h=3 m=32
